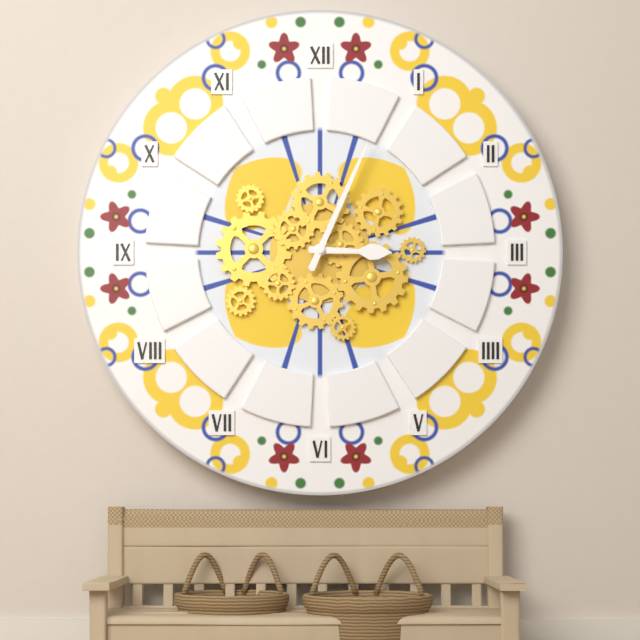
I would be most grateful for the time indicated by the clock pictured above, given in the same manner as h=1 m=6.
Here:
h=3 m=4
